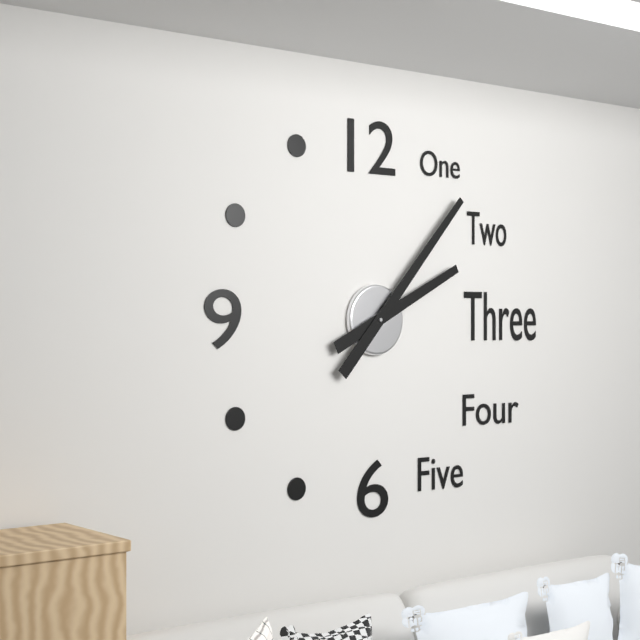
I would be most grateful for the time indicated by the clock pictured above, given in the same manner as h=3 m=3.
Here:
h=2 m=7
